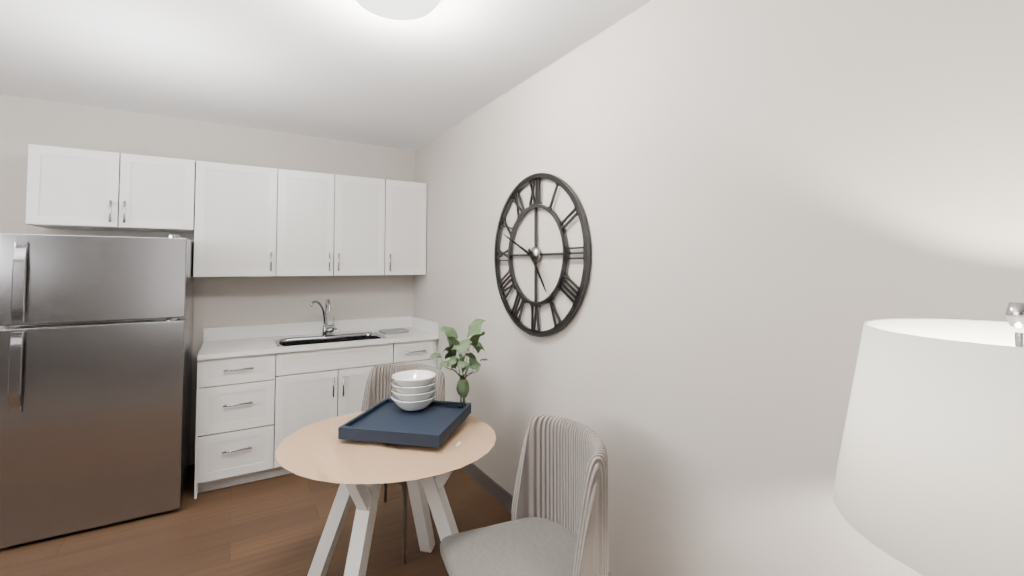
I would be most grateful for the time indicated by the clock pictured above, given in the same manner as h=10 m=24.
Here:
h=4 m=49
